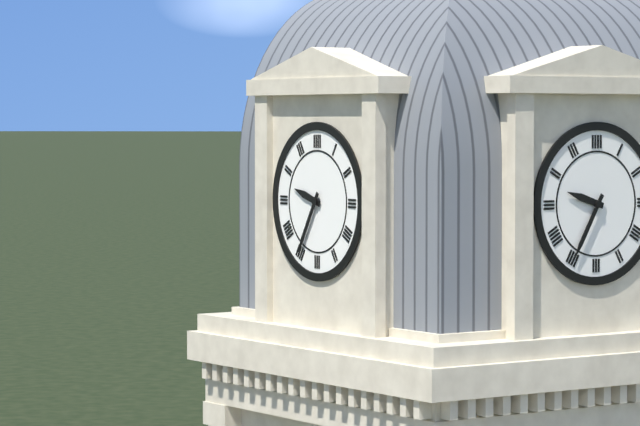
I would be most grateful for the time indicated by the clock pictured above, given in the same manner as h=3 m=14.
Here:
h=9 m=35
